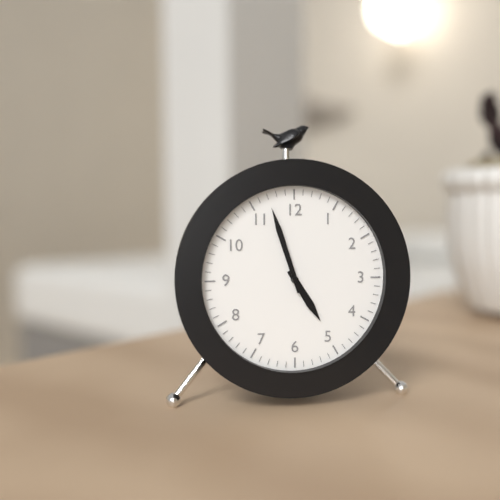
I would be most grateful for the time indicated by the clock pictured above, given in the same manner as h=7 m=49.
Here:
h=4 m=57
